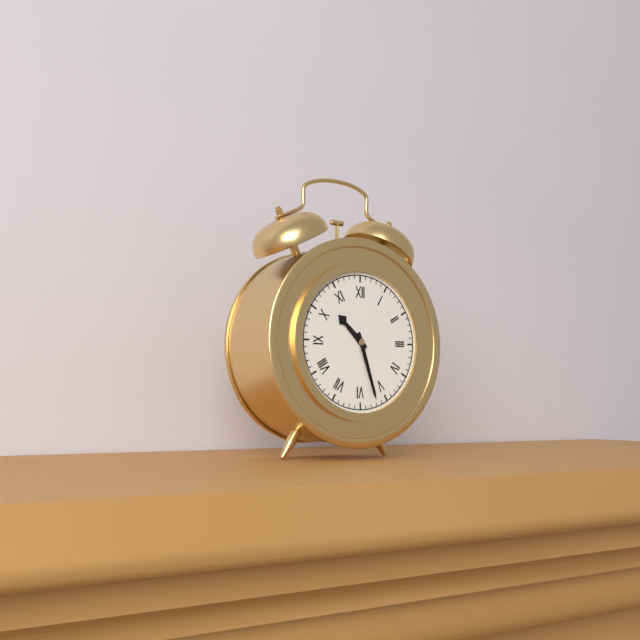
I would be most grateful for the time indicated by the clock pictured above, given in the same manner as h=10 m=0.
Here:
h=10 m=27
